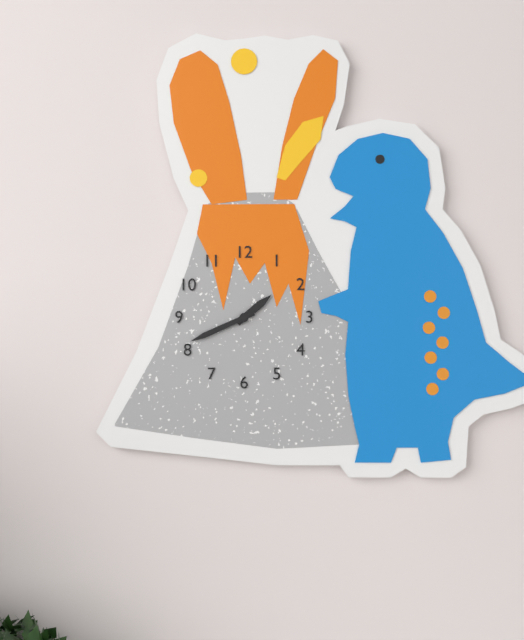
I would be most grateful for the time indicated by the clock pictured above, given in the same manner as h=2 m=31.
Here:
h=1 m=41
